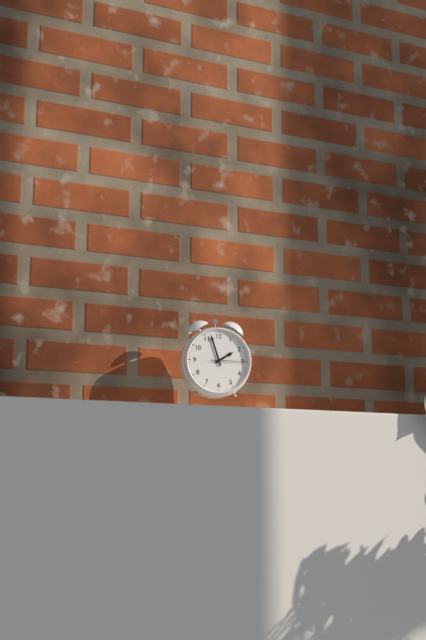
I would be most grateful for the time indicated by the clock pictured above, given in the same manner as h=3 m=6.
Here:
h=1 m=57
